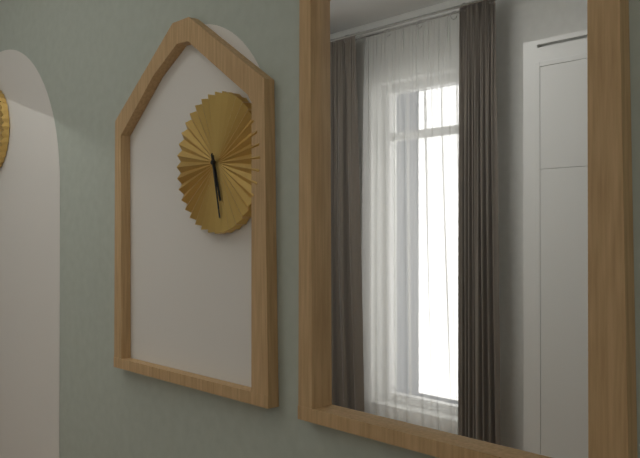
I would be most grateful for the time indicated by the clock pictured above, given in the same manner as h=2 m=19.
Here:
h=5 m=28
